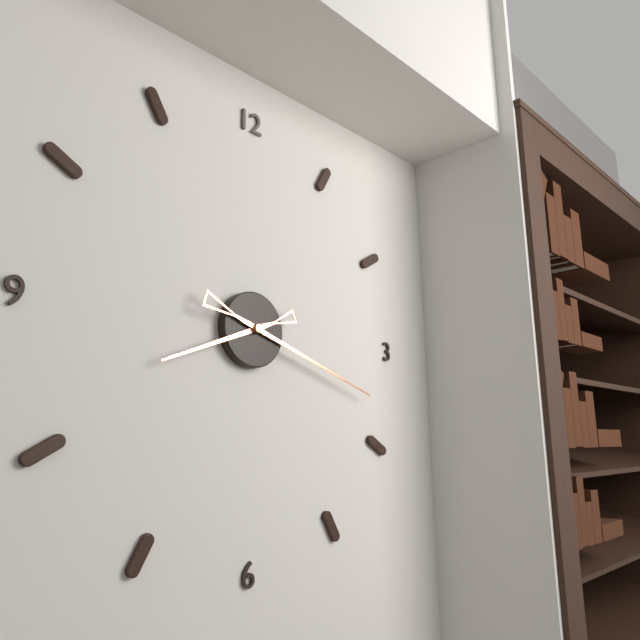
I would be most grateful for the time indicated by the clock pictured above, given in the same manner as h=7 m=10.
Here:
h=8 m=18
